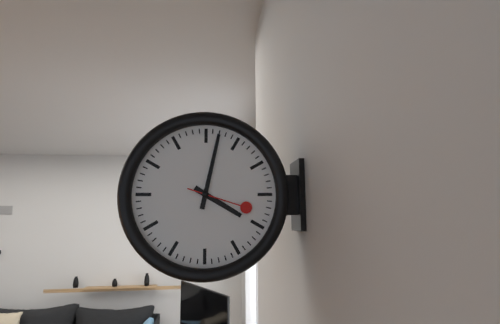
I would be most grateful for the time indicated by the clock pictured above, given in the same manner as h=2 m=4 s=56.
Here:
h=4 m=2 s=18
